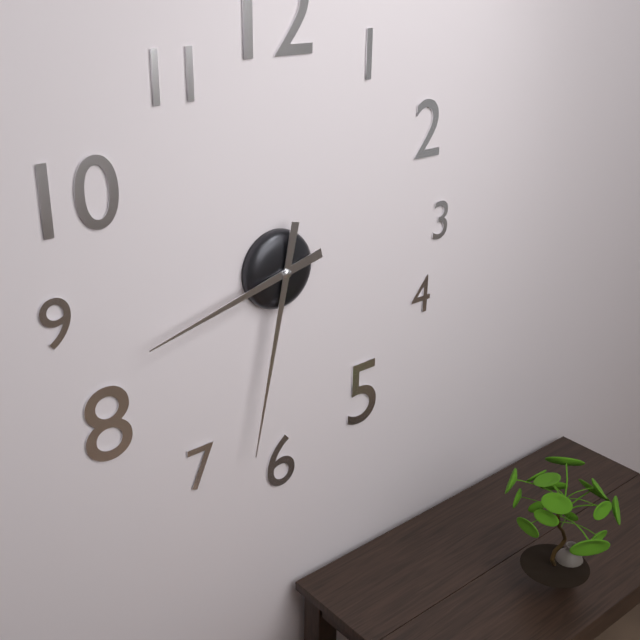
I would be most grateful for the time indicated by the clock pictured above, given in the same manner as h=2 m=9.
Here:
h=8 m=32
